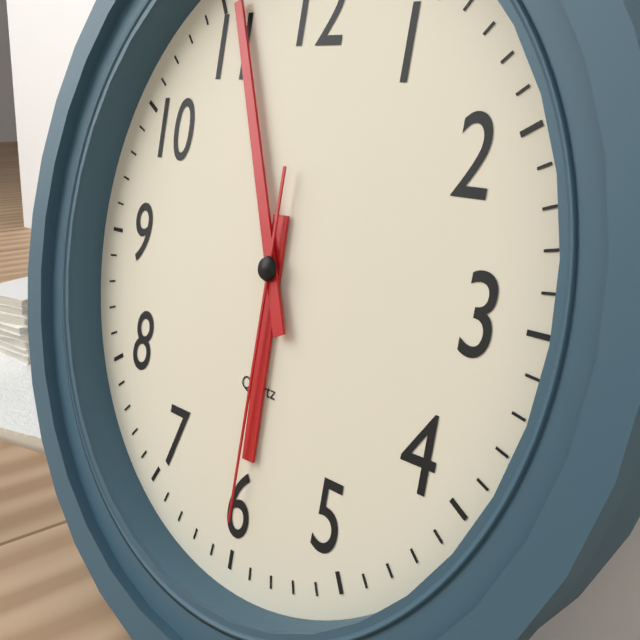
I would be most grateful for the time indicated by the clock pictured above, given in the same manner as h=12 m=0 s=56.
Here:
h=5 m=56 s=30
